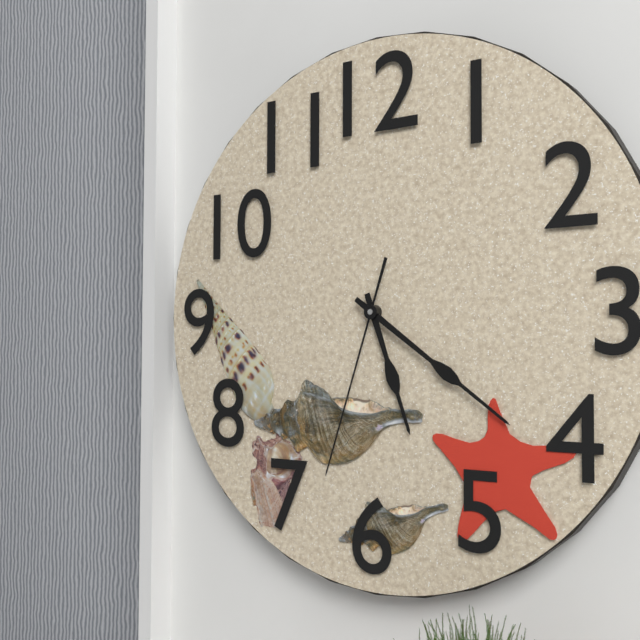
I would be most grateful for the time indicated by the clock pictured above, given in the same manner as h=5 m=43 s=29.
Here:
h=5 m=21 s=33
